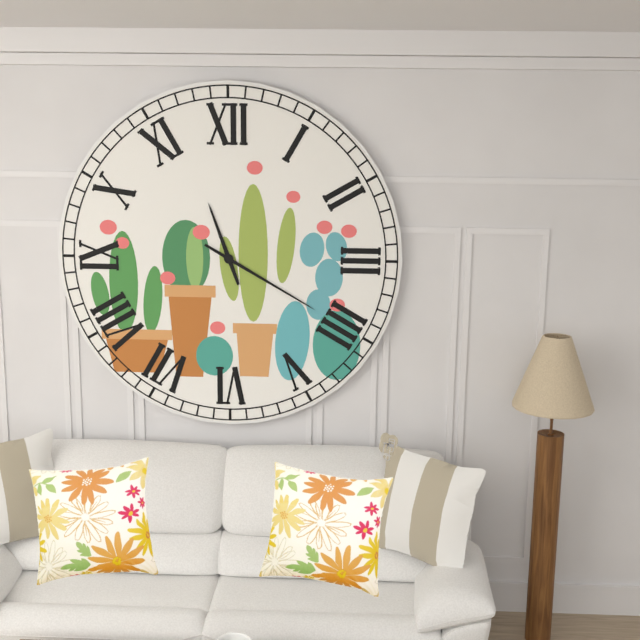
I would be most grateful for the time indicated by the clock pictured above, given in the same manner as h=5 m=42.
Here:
h=11 m=20
